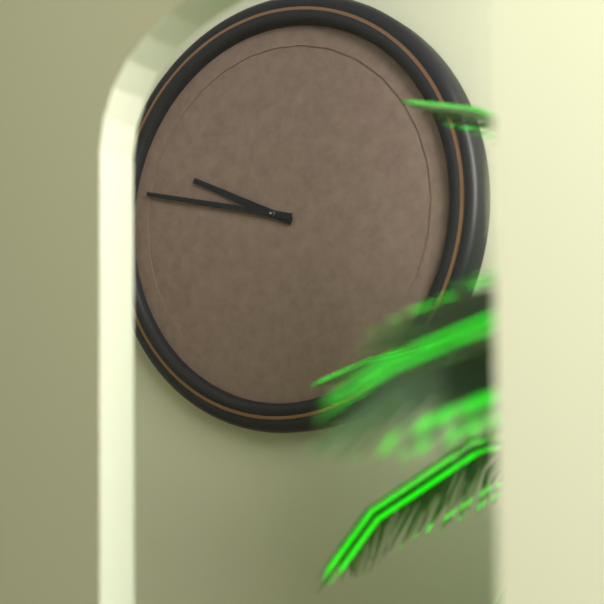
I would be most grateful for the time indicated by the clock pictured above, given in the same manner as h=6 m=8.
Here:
h=9 m=47
